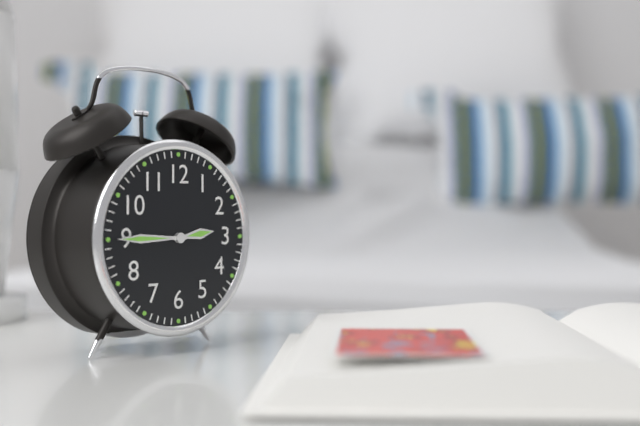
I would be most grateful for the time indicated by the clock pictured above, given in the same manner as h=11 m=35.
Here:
h=2 m=45
